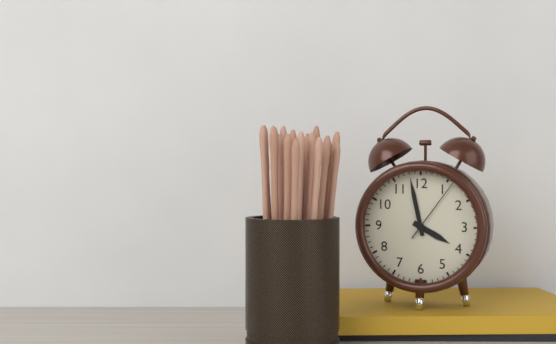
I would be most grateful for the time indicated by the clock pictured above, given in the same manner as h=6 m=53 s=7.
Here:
h=3 m=58 s=6
